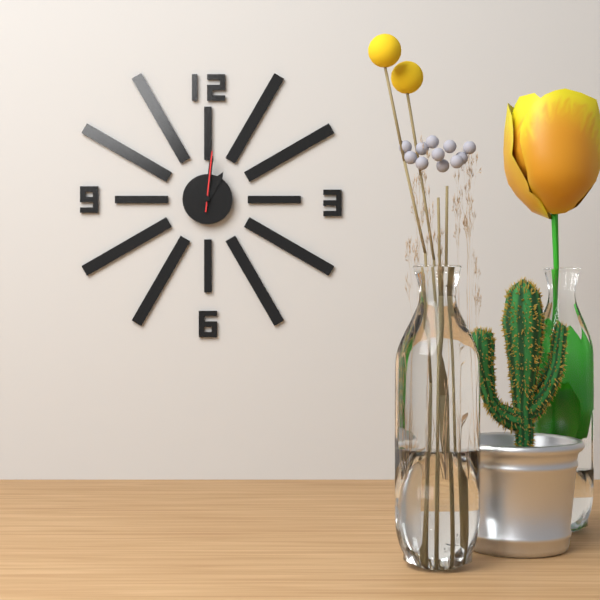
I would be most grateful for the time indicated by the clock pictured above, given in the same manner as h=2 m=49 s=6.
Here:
h=1 m=1 s=1
